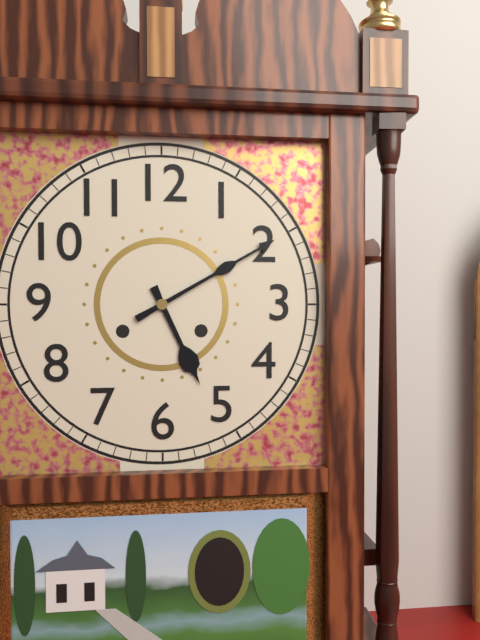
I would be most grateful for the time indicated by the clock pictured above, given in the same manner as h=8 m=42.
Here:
h=5 m=10
